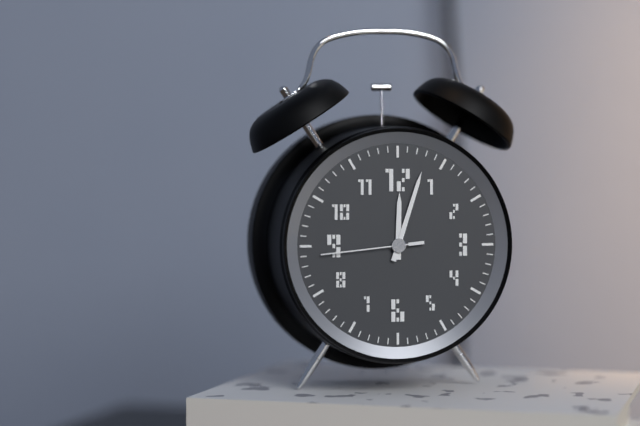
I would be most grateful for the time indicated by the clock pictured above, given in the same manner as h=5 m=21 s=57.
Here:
h=12 m=3 s=44
